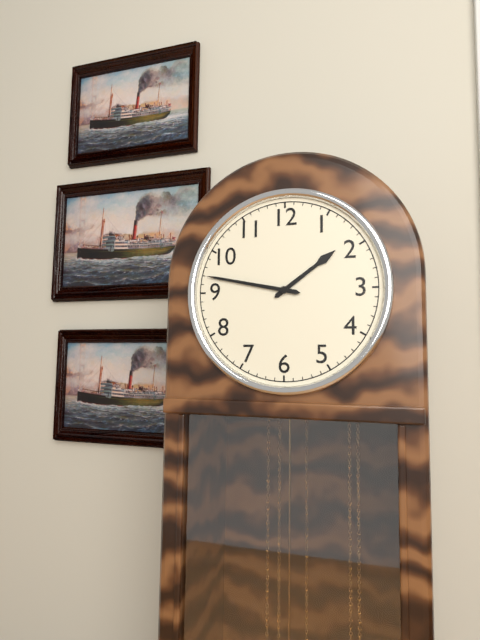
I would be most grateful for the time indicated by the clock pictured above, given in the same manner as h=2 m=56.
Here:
h=1 m=47
